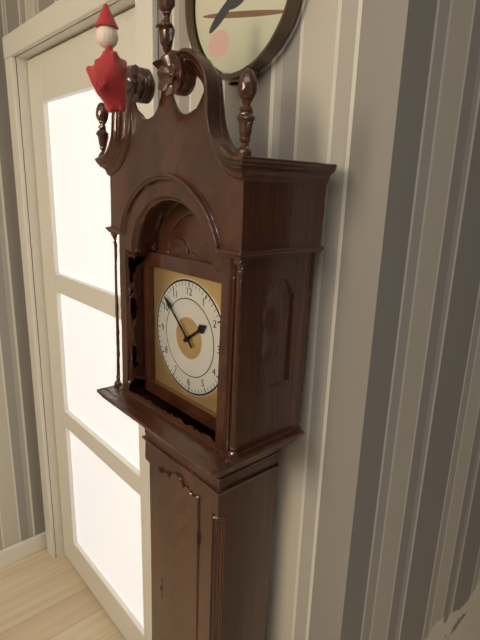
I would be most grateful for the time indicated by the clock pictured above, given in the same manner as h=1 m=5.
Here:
h=1 m=52
